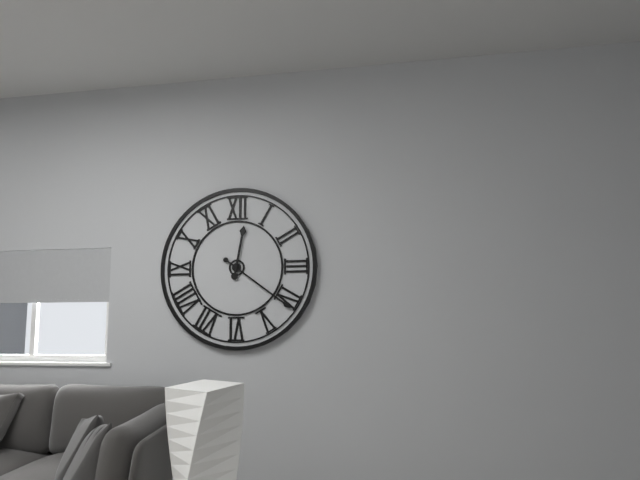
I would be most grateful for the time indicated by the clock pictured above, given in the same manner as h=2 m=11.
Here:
h=12 m=21
